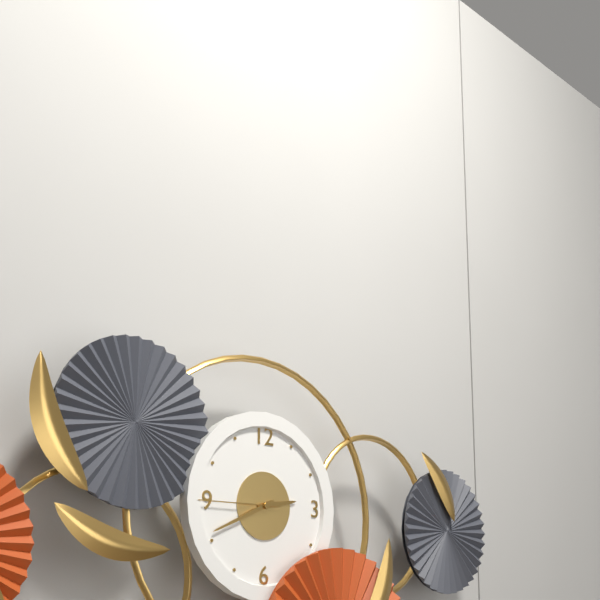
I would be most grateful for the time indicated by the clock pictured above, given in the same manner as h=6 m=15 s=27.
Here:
h=2 m=41 s=45
